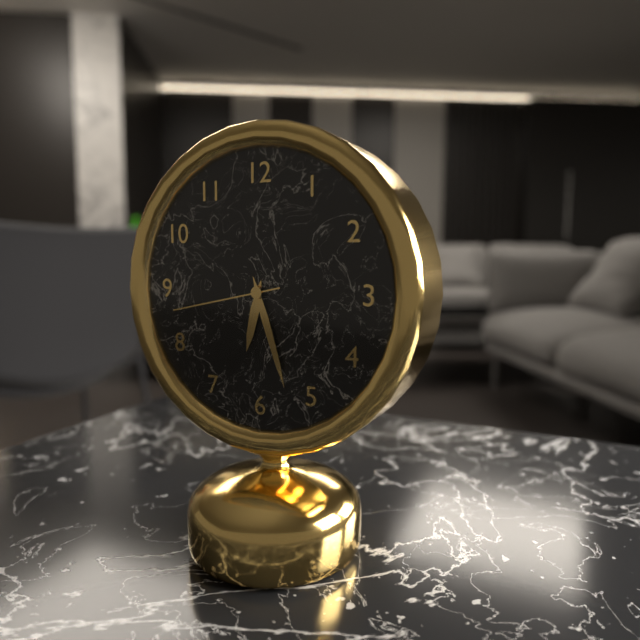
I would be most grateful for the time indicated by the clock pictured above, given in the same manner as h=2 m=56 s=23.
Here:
h=6 m=27 s=43
